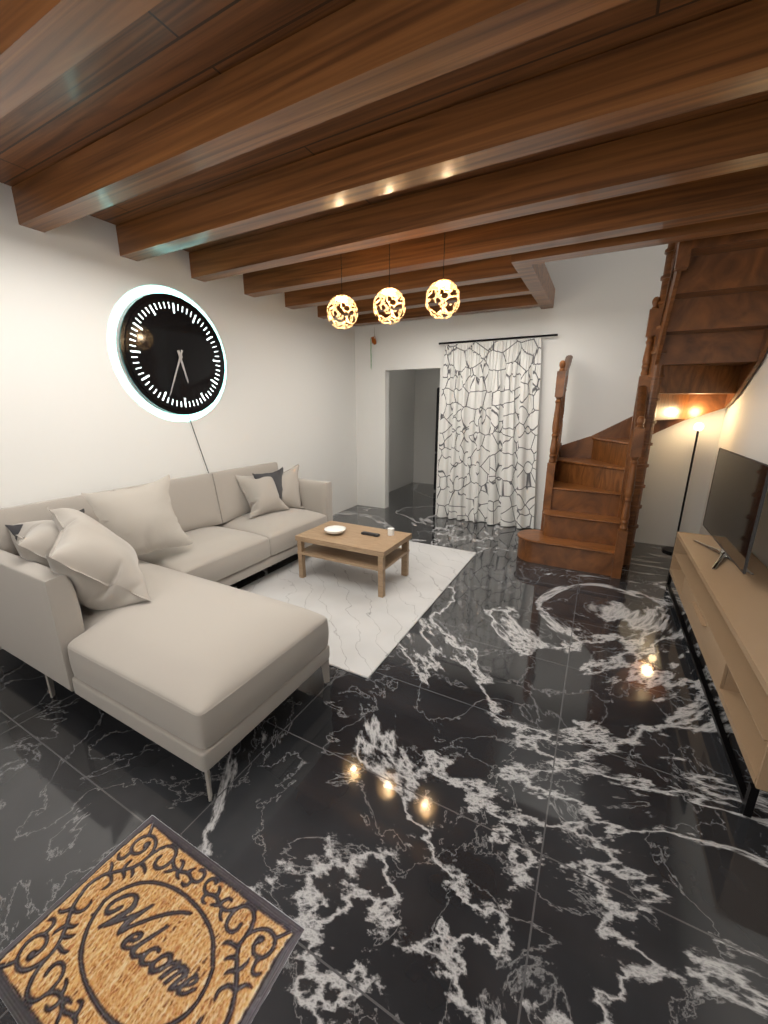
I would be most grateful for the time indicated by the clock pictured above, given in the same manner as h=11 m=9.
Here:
h=5 m=34
